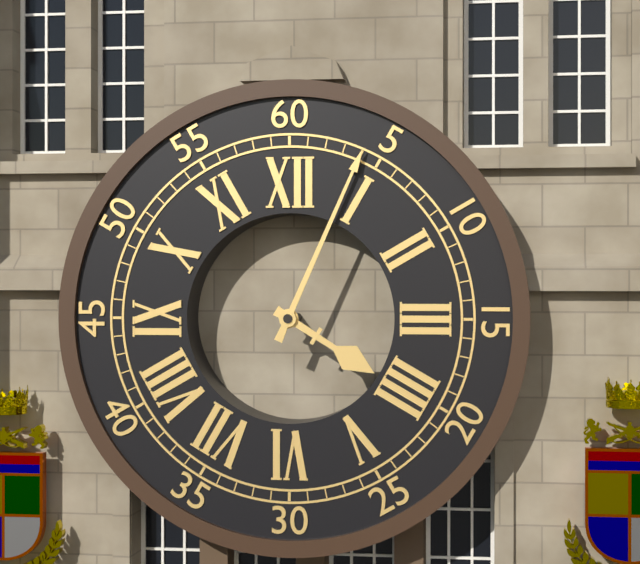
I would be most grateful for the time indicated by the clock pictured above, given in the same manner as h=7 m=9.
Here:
h=4 m=4
